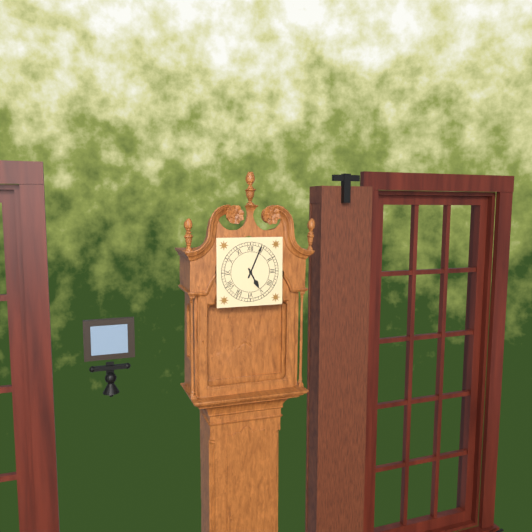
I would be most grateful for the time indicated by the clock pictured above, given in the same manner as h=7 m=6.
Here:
h=5 m=4
